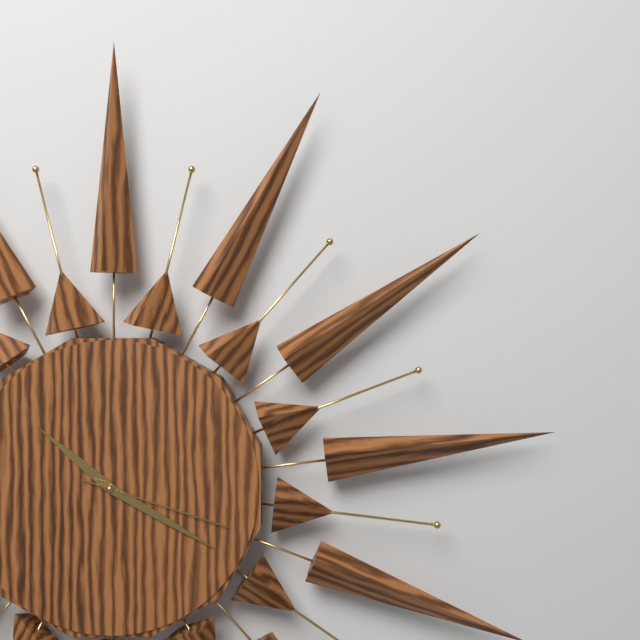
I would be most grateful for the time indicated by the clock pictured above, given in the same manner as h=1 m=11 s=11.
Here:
h=10 m=20 s=18
